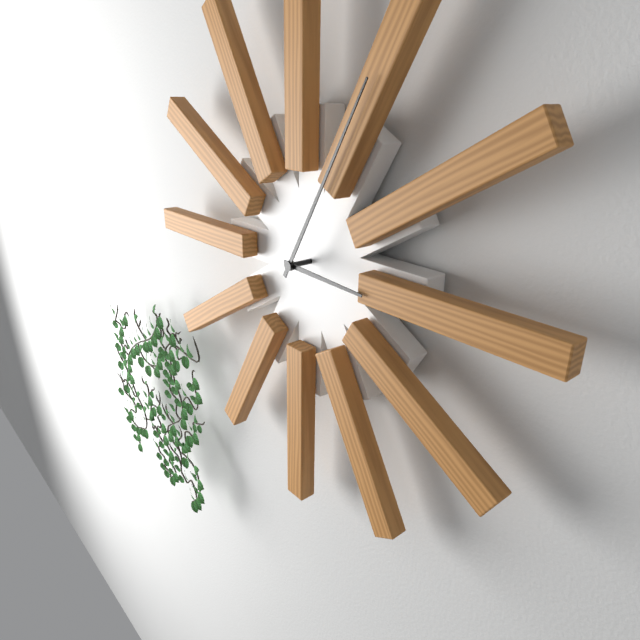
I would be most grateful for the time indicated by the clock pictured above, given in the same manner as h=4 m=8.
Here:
h=3 m=5
